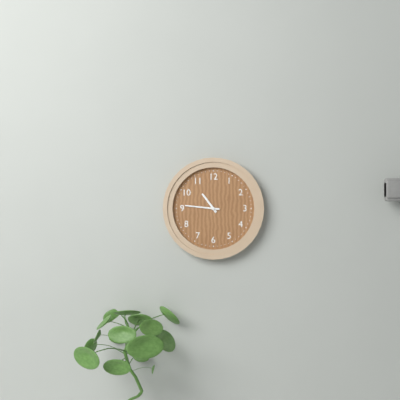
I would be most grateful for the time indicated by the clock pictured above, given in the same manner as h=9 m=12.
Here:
h=10 m=46
